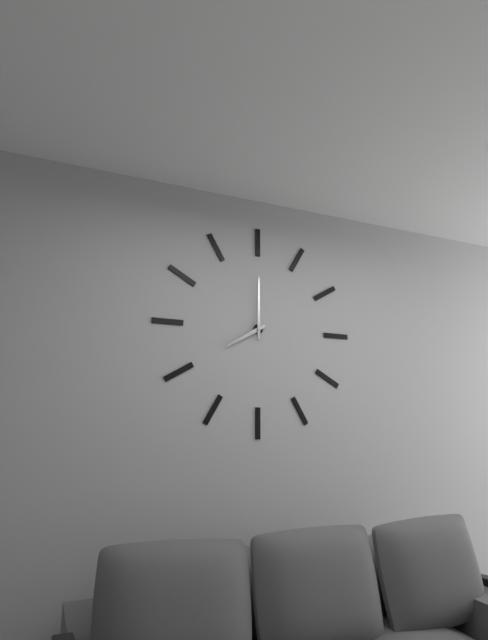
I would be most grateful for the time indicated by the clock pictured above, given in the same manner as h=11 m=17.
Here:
h=8 m=0
